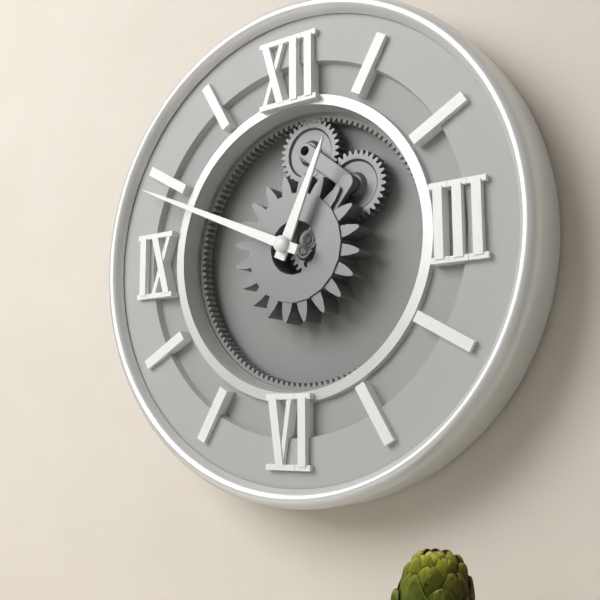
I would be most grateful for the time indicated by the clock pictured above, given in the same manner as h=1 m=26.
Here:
h=12 m=49
